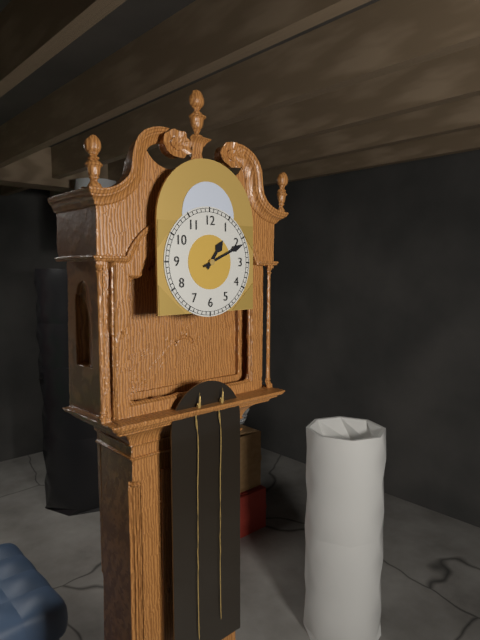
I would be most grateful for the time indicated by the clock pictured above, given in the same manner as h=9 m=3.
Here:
h=1 m=11
